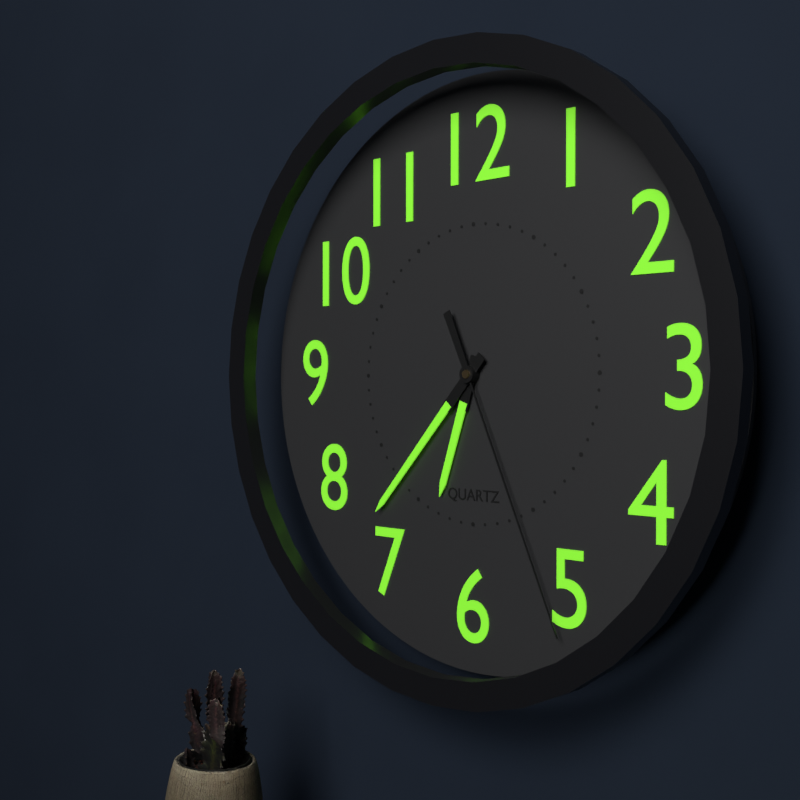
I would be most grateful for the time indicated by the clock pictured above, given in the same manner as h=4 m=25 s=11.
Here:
h=6 m=37 s=26
